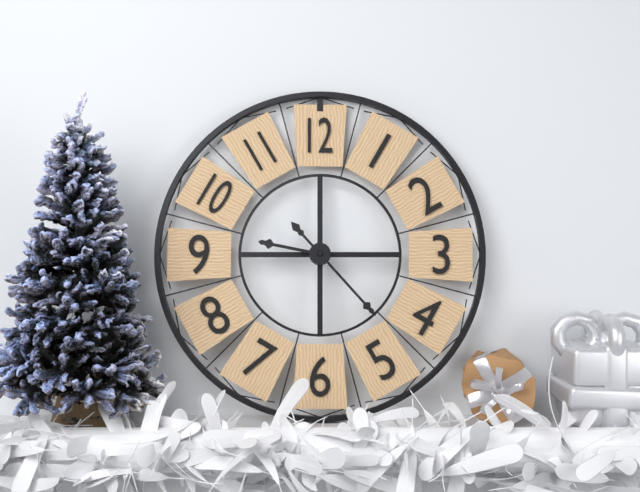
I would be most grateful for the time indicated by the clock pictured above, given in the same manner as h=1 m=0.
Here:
h=9 m=23
